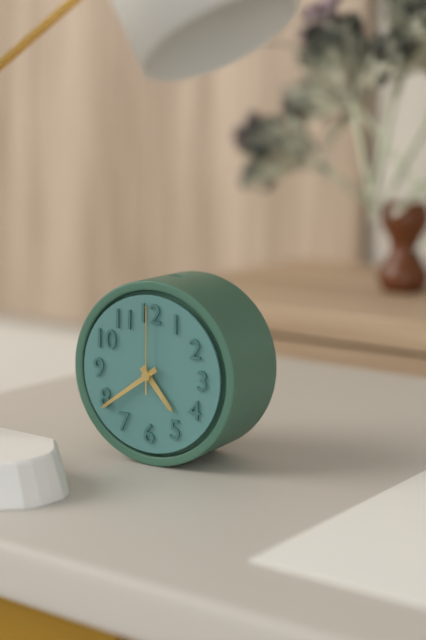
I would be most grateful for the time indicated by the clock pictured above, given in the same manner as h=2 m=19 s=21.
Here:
h=4 m=39 s=0
